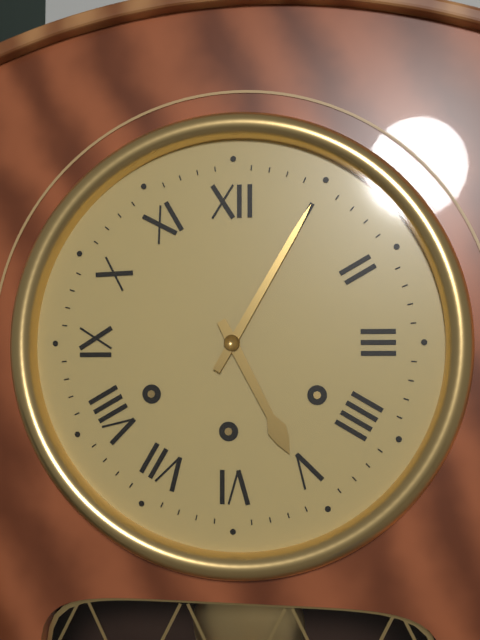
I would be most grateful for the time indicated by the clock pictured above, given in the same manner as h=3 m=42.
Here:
h=5 m=5
